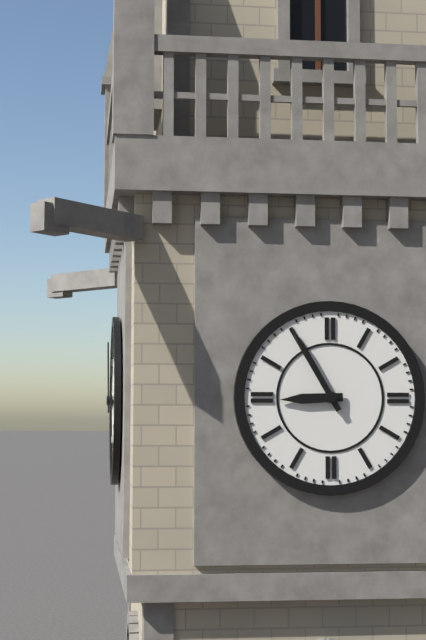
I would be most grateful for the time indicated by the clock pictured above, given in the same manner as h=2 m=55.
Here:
h=8 m=55
